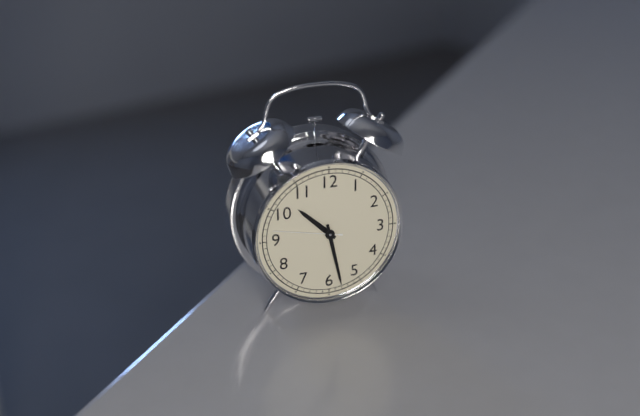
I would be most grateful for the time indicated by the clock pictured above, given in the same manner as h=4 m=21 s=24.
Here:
h=10 m=28 s=47
